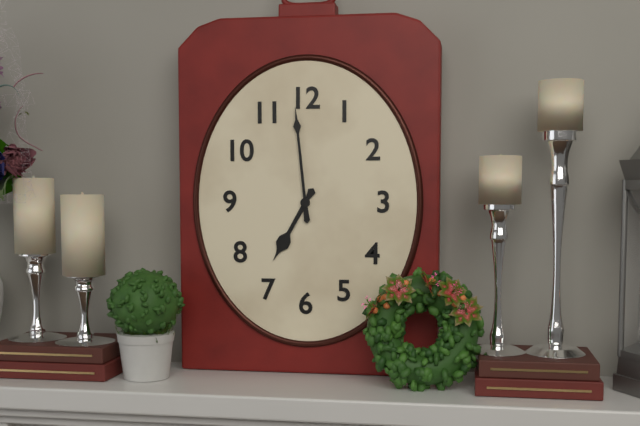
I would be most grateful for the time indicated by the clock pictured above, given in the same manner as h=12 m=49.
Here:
h=6 m=59
